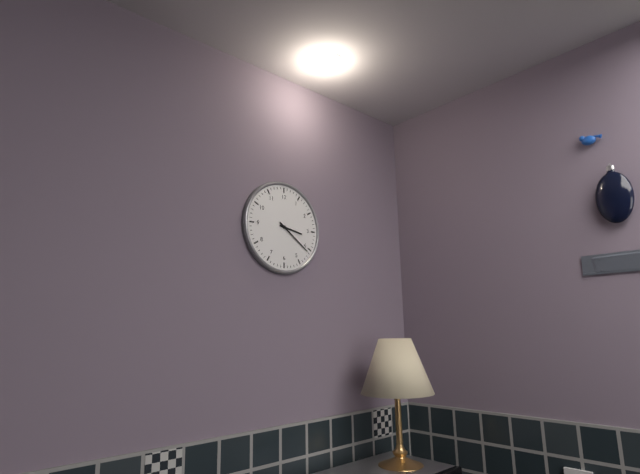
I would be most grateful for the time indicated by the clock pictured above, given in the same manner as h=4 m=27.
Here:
h=3 m=21
